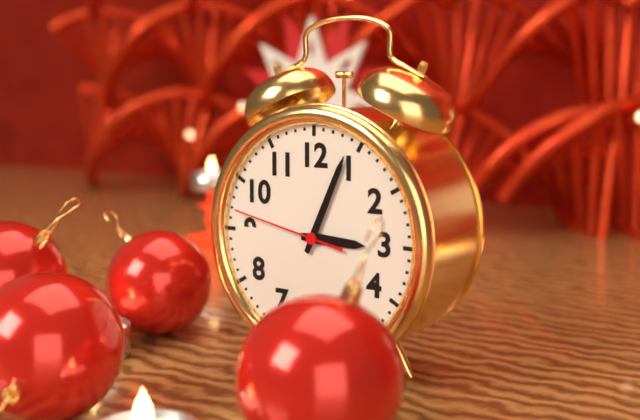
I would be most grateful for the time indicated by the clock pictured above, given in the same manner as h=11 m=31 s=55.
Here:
h=3 m=4 s=47
